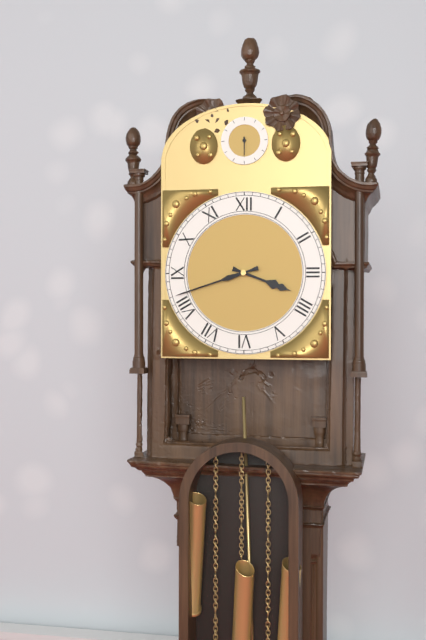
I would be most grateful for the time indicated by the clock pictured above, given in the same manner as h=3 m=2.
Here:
h=3 m=42
